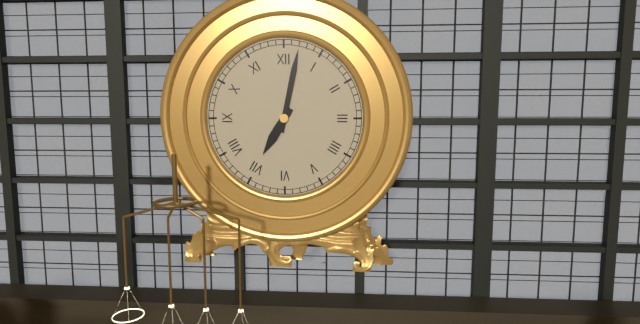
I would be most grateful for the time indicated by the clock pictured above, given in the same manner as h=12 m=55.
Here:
h=7 m=2
